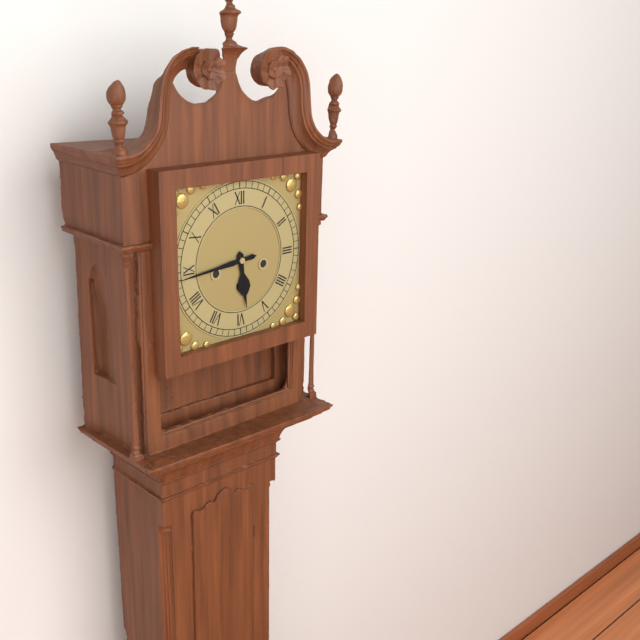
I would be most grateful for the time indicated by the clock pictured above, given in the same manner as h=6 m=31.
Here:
h=5 m=44
